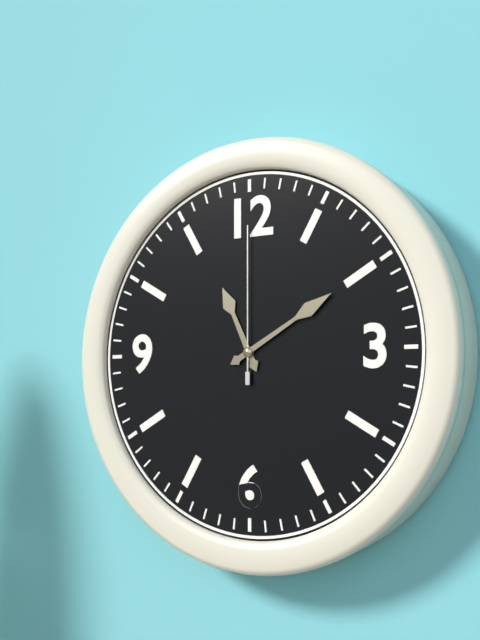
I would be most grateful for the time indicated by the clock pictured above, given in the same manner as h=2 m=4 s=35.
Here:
h=11 m=10 s=0
